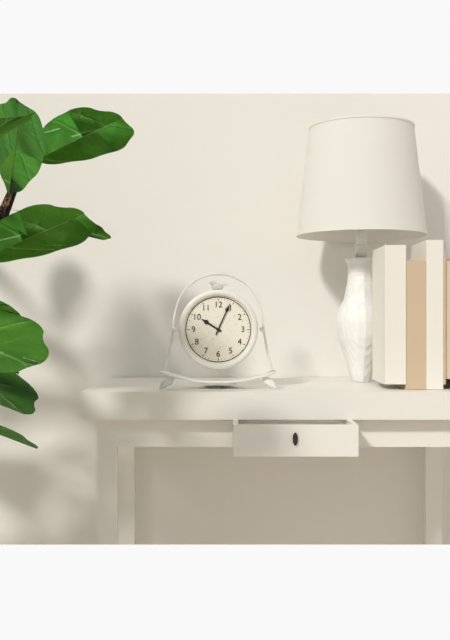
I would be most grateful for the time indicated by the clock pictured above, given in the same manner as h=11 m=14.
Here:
h=10 m=4
